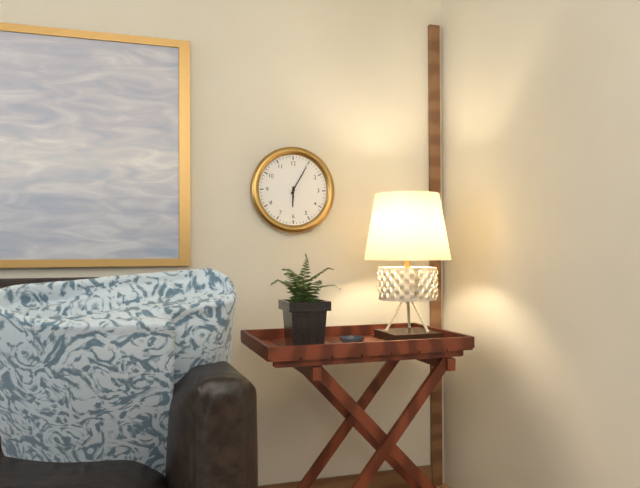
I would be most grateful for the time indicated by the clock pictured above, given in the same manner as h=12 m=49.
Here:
h=6 m=5
